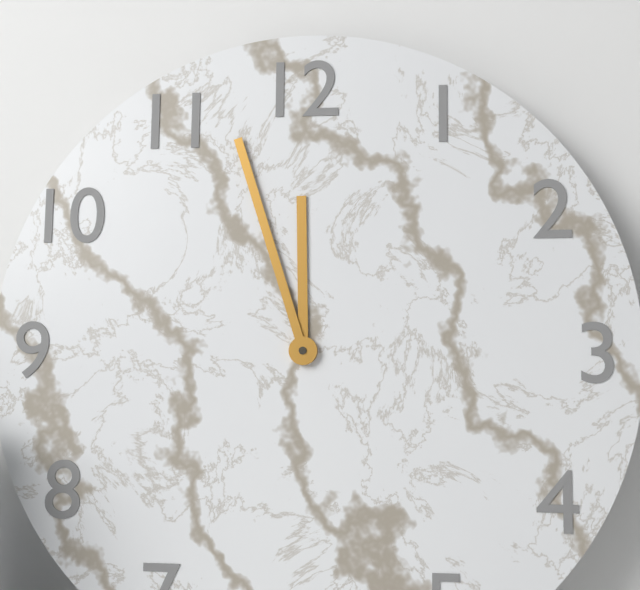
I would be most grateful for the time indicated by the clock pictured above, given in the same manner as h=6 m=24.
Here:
h=11 m=57
